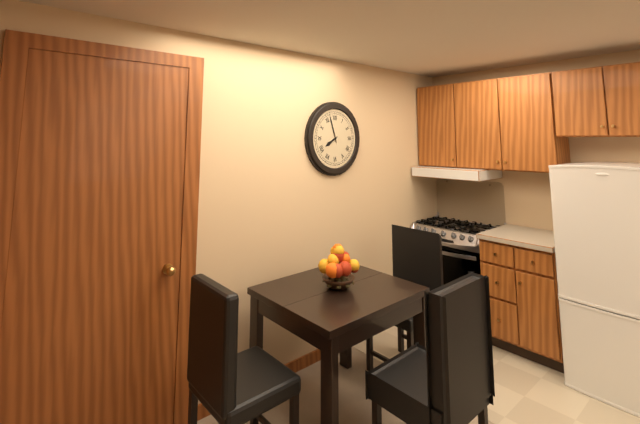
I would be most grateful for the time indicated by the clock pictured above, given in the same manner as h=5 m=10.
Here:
h=7 m=57
